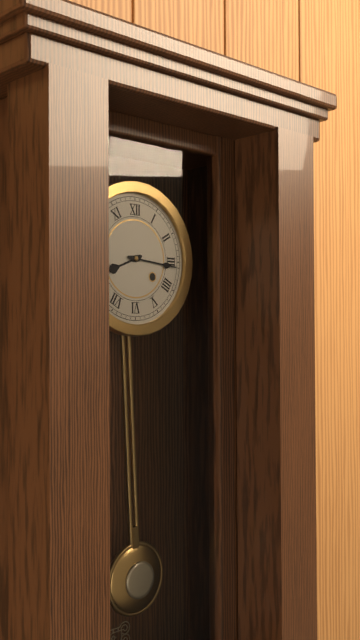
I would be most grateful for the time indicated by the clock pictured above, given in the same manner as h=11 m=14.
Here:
h=8 m=16
